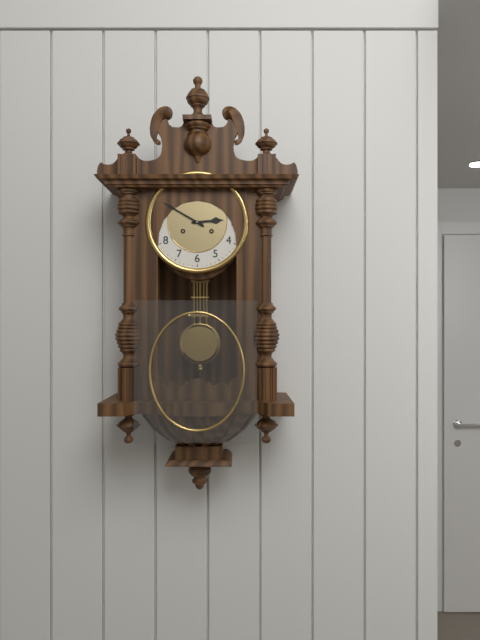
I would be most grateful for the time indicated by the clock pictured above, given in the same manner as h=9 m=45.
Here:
h=2 m=50
